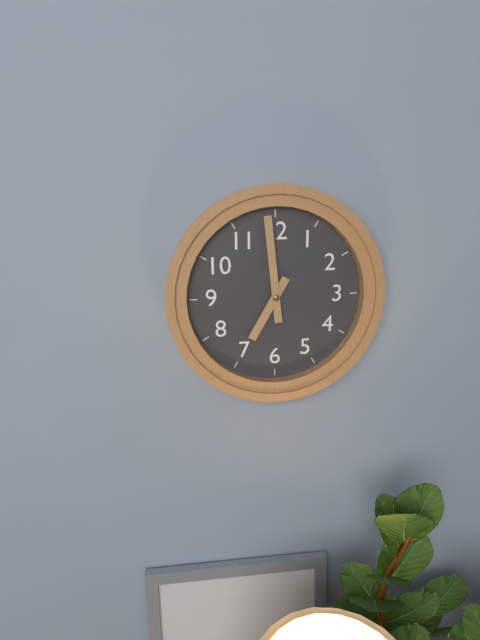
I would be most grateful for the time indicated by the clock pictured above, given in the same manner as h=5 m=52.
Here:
h=6 m=59
